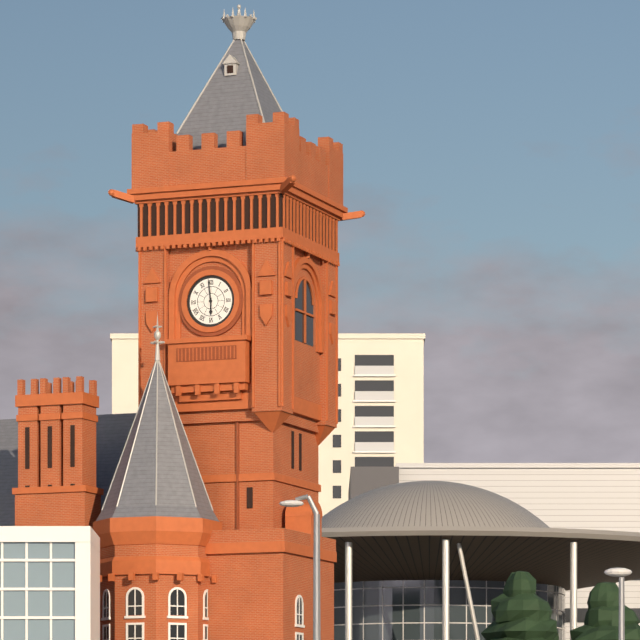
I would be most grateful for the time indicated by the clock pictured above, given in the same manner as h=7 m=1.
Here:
h=5 m=59
